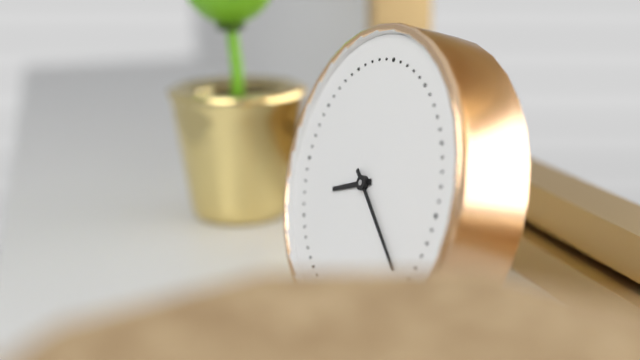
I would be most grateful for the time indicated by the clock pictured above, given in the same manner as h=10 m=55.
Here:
h=8 m=21
